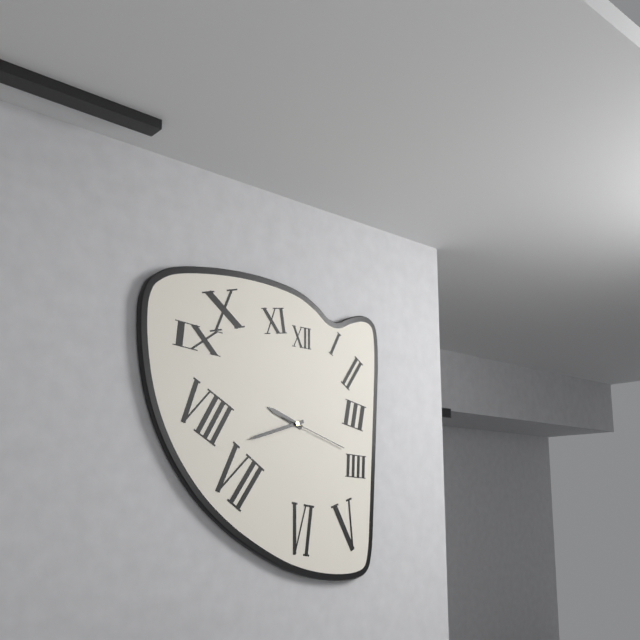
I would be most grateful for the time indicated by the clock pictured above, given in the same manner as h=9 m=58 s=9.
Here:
h=9 m=42 s=18
